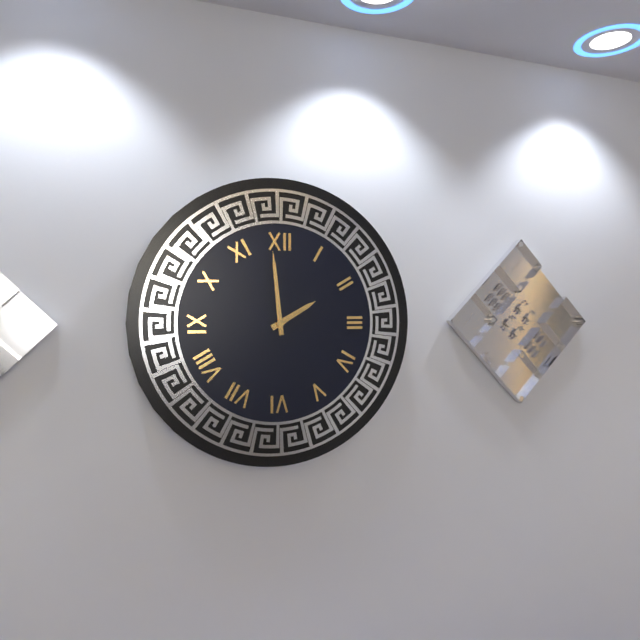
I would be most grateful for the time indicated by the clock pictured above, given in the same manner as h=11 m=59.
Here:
h=1 m=59
